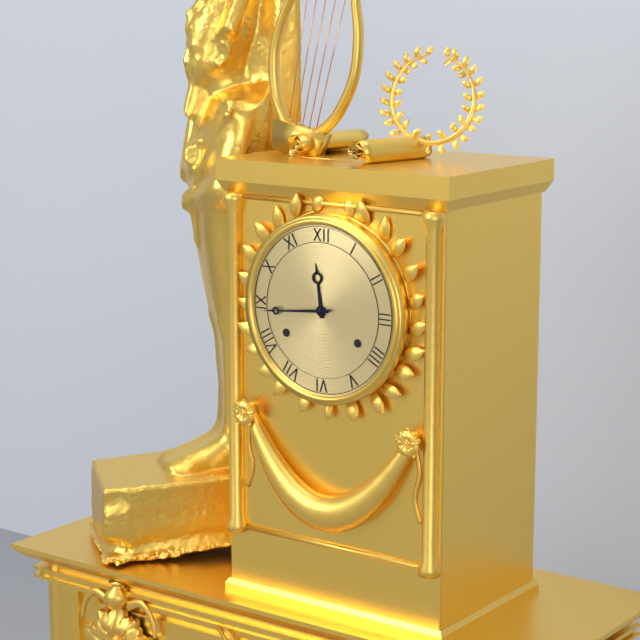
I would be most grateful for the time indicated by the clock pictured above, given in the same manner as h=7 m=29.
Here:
h=11 m=44
